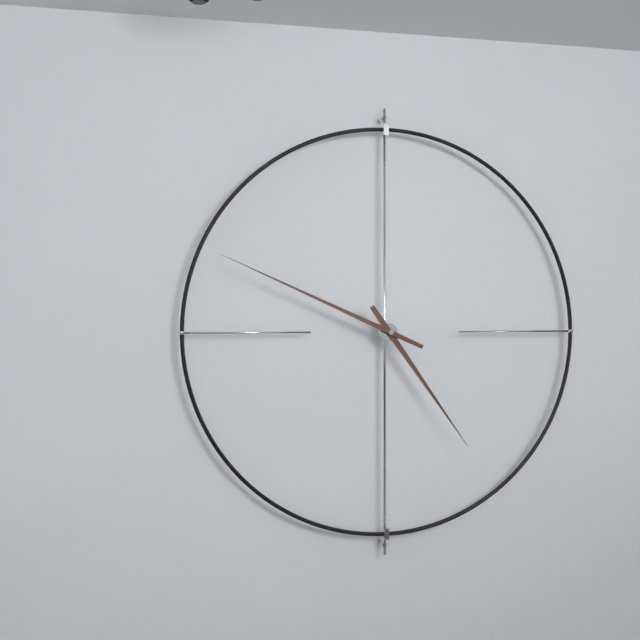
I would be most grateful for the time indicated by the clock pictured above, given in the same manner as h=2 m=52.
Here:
h=4 m=49
